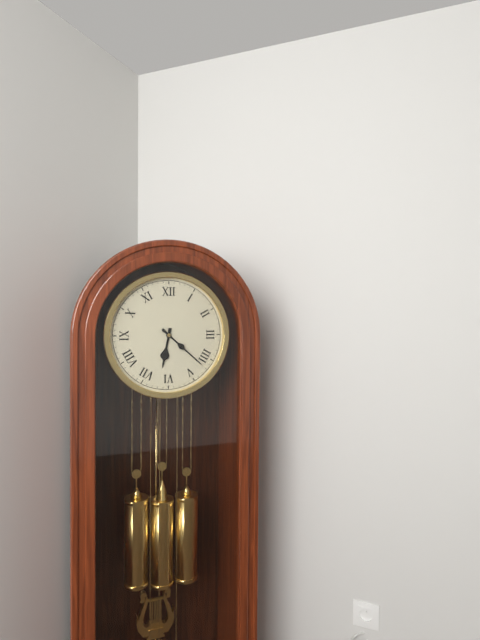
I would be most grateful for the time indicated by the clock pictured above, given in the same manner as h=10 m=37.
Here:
h=6 m=22
